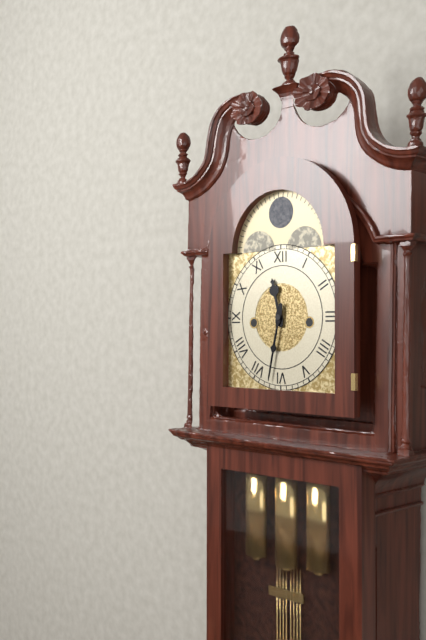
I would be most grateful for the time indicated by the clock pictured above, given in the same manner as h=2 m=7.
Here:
h=11 m=32
